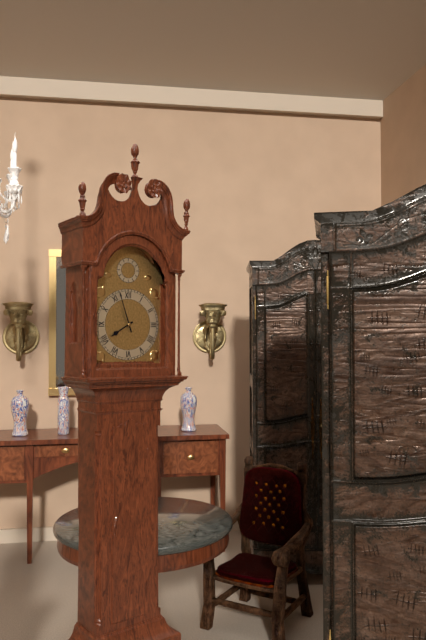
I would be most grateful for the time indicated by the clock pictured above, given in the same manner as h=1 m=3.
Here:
h=7 m=57
